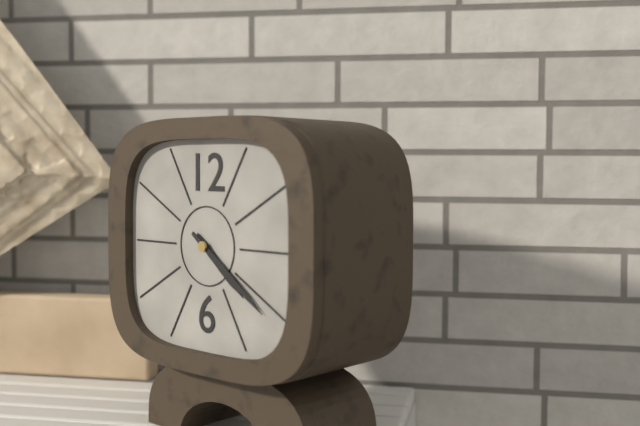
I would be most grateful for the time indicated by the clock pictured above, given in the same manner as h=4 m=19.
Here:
h=4 m=21
